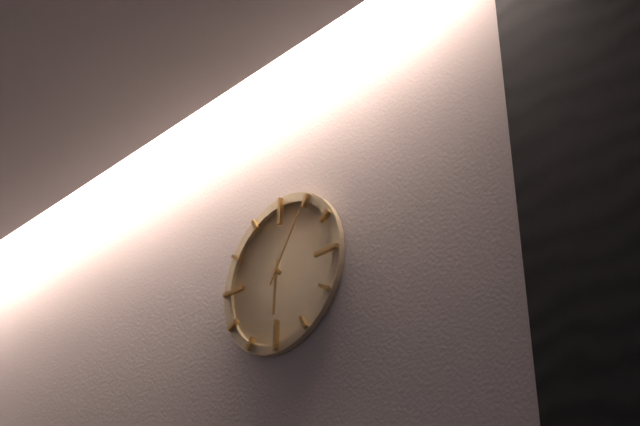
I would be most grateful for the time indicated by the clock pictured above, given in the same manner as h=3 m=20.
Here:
h=6 m=5
